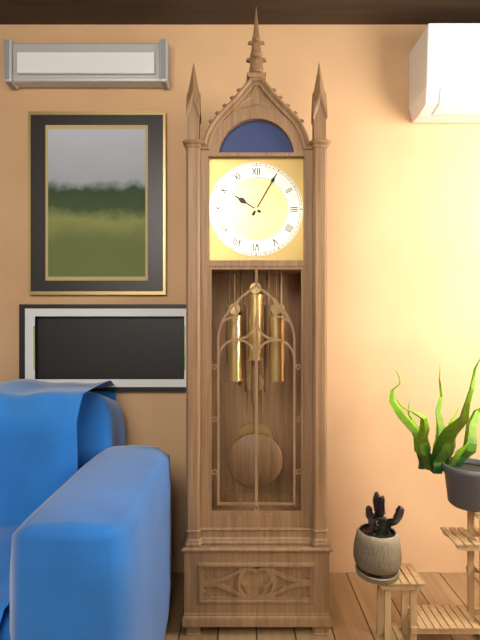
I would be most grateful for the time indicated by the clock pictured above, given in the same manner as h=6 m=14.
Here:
h=10 m=5
